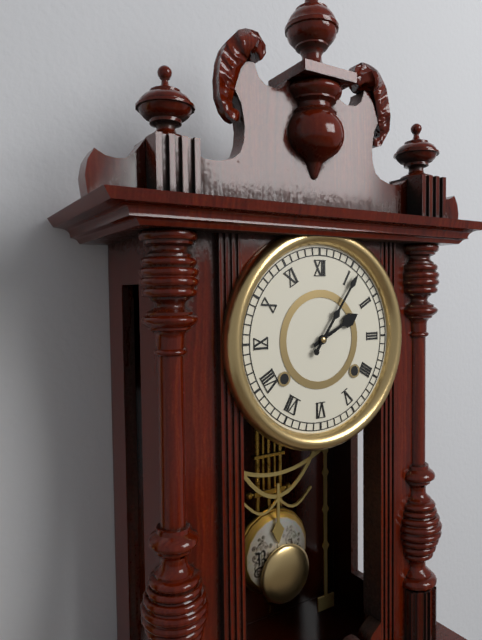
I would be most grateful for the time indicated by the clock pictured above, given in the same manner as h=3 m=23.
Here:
h=2 m=6
